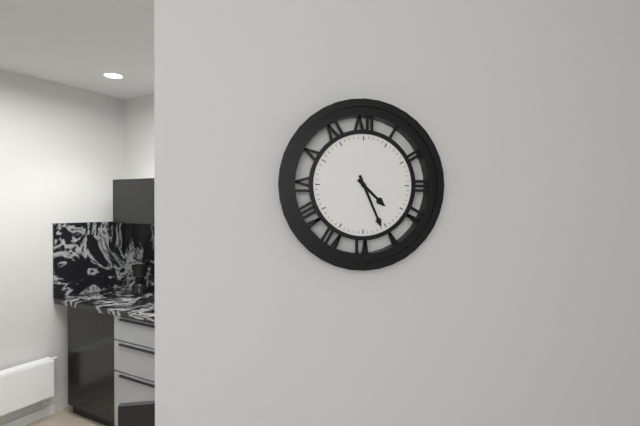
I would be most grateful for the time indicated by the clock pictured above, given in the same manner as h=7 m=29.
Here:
h=4 m=26
